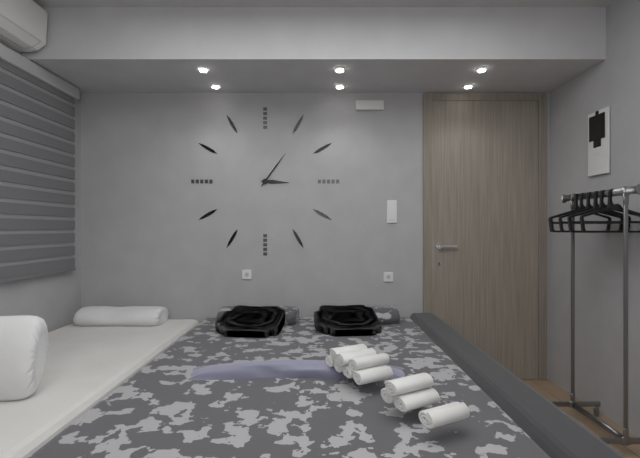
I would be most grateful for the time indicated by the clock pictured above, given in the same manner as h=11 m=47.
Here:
h=3 m=6
